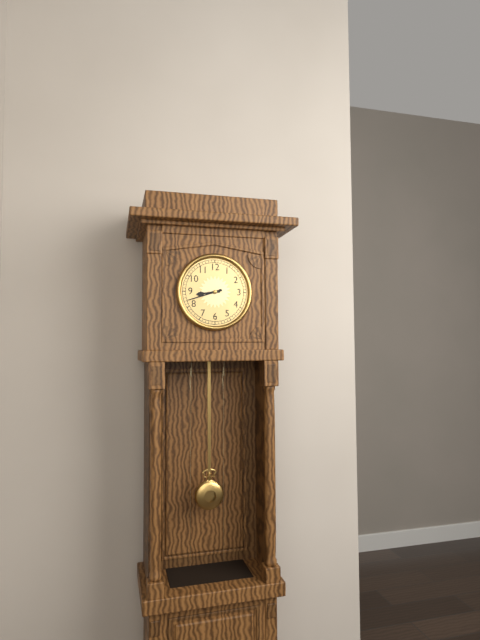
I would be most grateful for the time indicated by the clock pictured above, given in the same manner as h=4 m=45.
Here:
h=8 m=42
